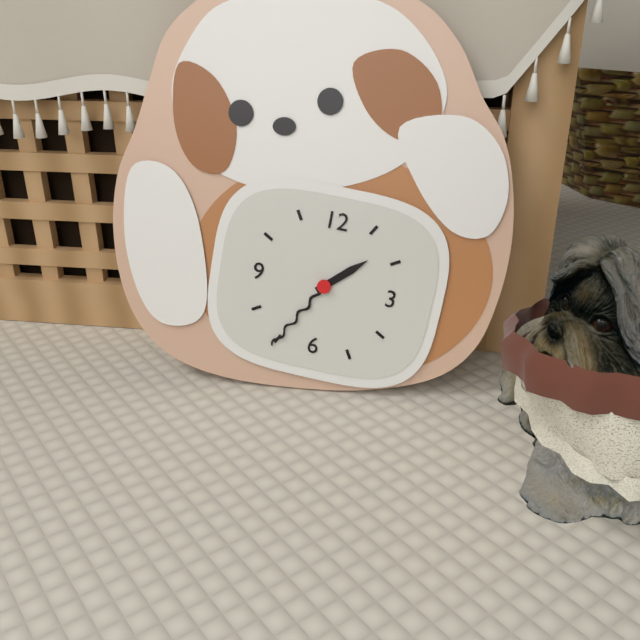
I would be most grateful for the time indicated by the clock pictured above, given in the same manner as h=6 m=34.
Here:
h=1 m=35
